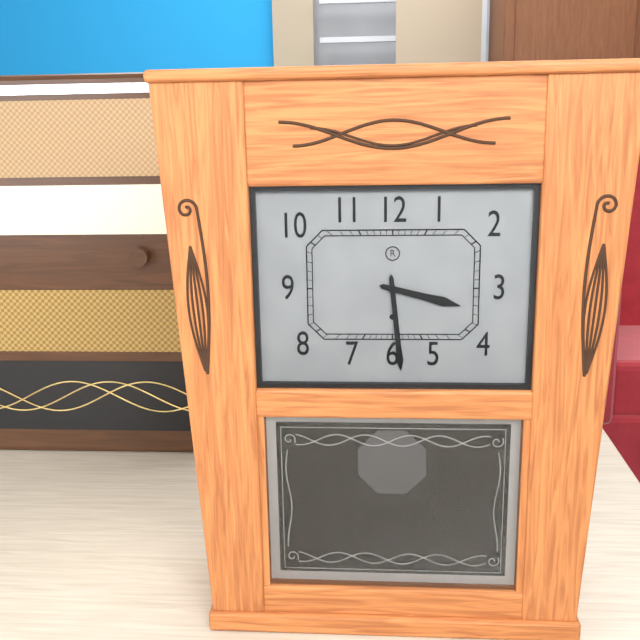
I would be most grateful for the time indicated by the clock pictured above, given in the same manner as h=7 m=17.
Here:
h=3 m=29
